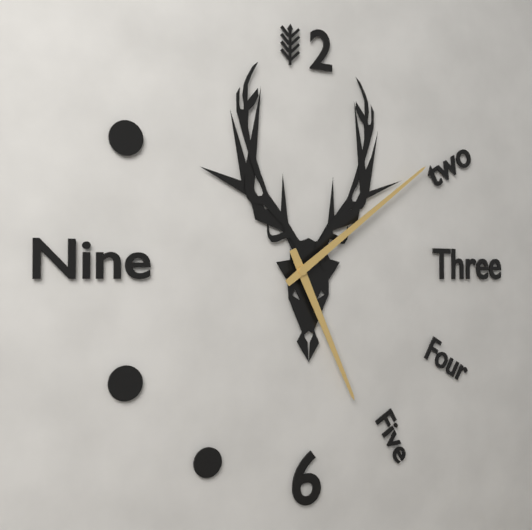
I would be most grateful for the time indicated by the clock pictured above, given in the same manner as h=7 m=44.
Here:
h=5 m=9
